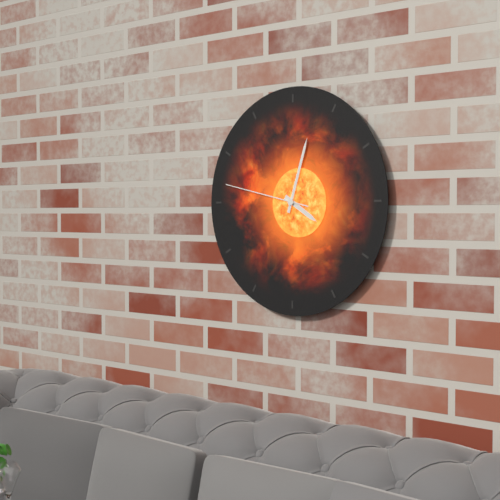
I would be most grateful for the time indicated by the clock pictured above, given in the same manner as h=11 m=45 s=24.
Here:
h=4 m=3 s=47
